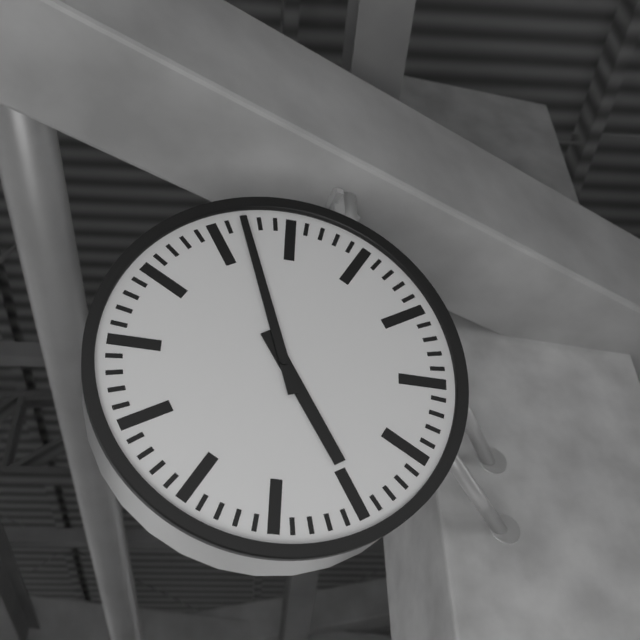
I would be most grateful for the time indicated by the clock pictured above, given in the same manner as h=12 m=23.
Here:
h=4 m=57
